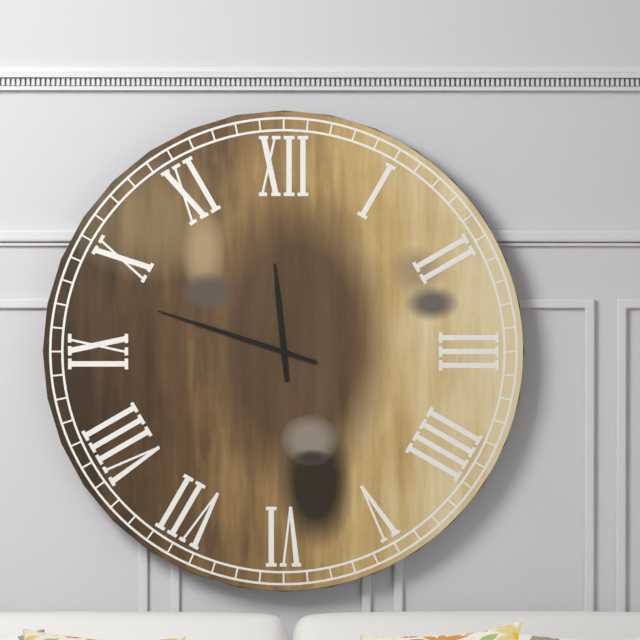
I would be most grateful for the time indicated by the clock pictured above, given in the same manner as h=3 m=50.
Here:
h=11 m=48
